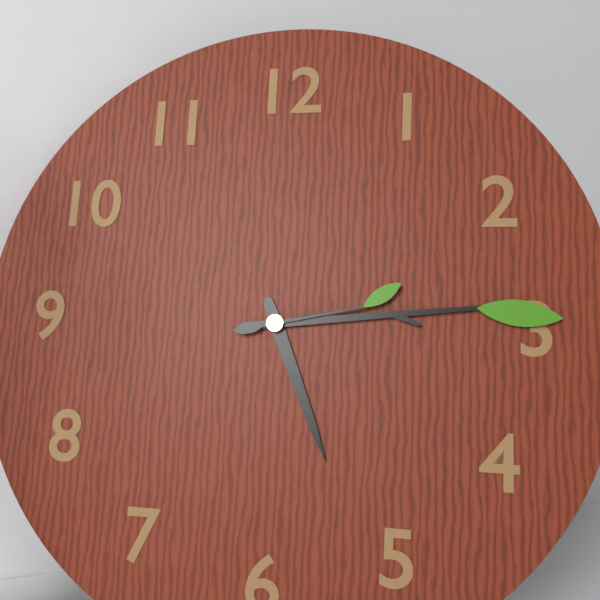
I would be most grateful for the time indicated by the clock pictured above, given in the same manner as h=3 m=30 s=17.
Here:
h=5 m=14 s=13
